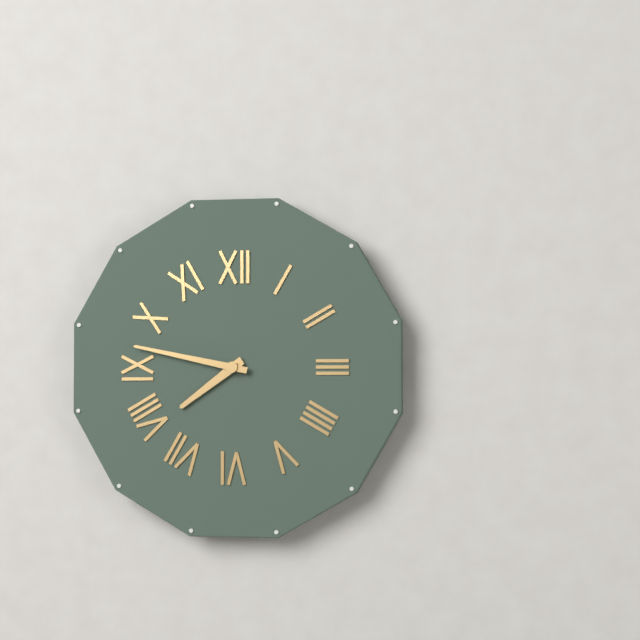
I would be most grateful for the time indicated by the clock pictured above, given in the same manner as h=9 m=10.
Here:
h=7 m=47
